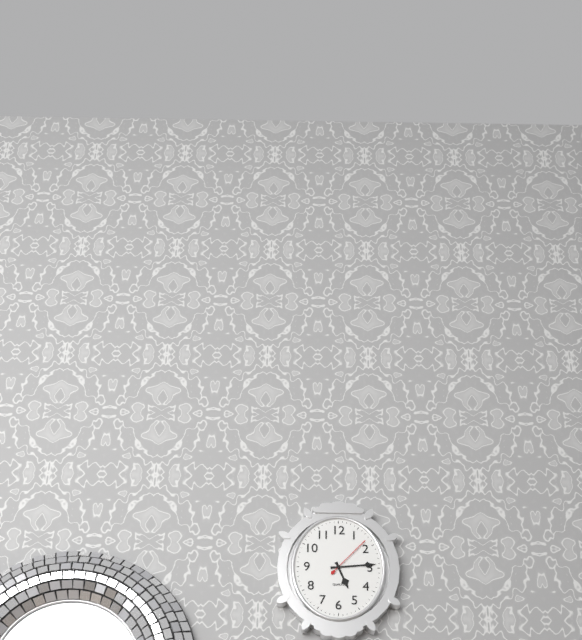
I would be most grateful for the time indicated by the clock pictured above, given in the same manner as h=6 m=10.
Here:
h=5 m=14
